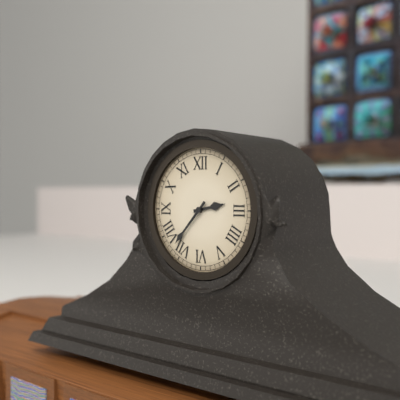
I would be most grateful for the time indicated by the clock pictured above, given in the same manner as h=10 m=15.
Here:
h=2 m=37
